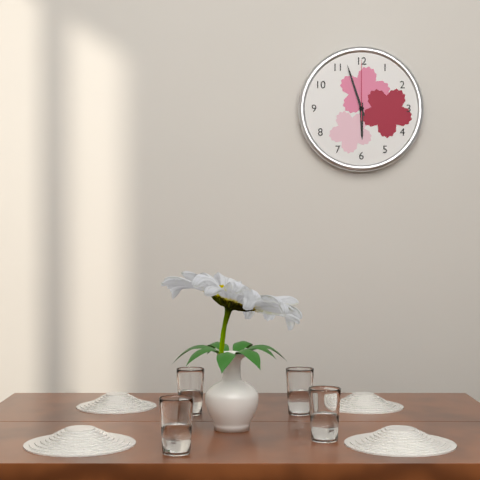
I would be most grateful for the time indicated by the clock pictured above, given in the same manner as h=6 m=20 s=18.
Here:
h=5 m=57 s=0
